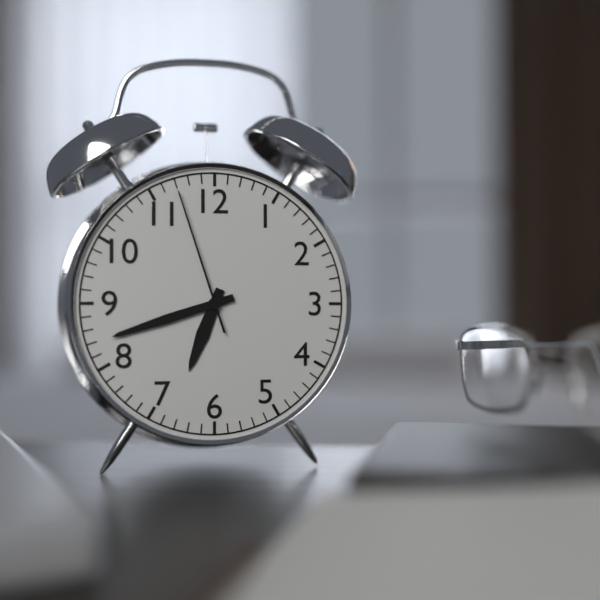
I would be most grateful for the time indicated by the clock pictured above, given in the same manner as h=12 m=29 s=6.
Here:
h=6 m=42 s=57
